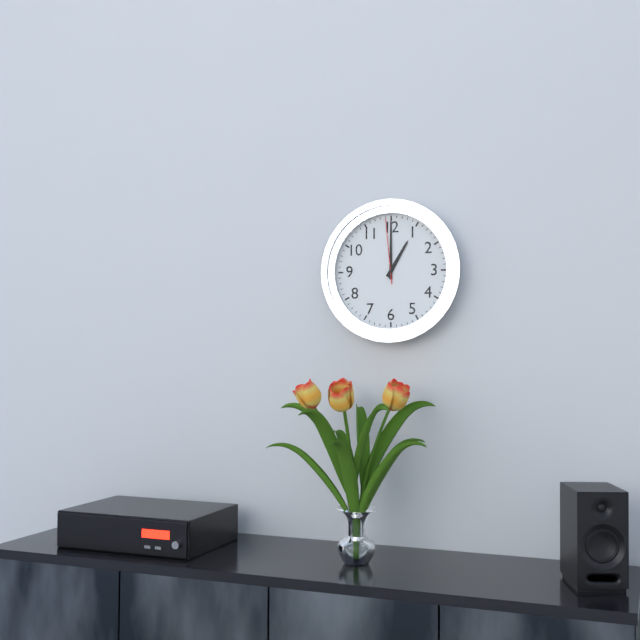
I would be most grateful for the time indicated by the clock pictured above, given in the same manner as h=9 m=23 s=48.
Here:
h=1 m=0 s=59
